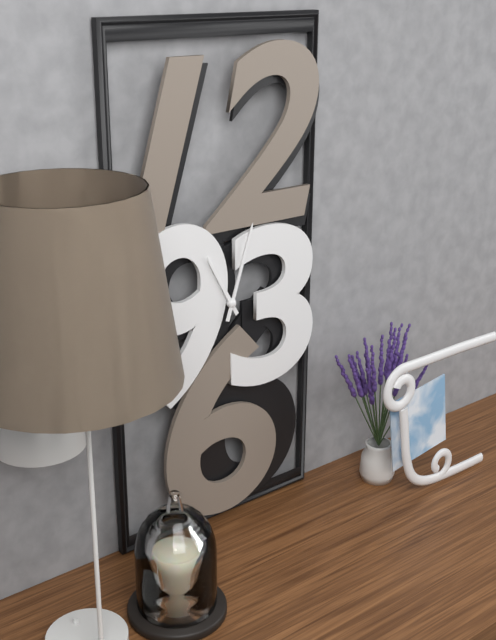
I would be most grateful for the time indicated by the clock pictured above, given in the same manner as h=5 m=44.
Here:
h=11 m=3
